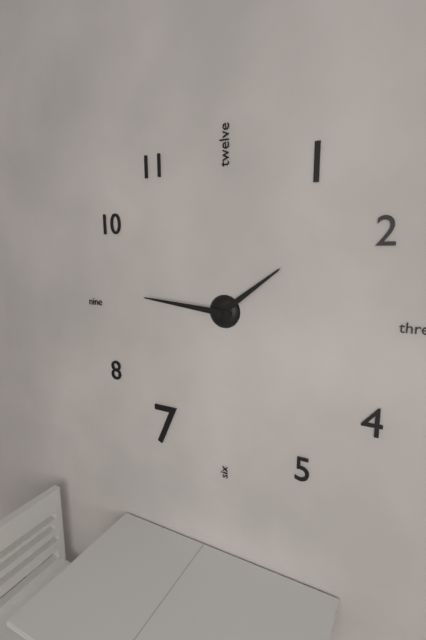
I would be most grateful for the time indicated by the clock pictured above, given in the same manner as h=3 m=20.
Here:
h=1 m=46
